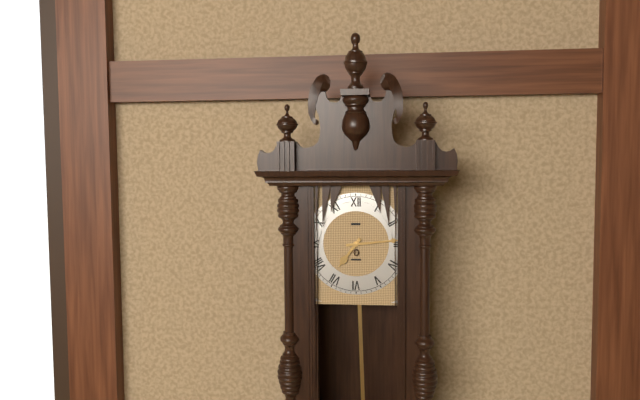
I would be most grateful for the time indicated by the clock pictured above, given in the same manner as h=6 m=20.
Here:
h=7 m=14
